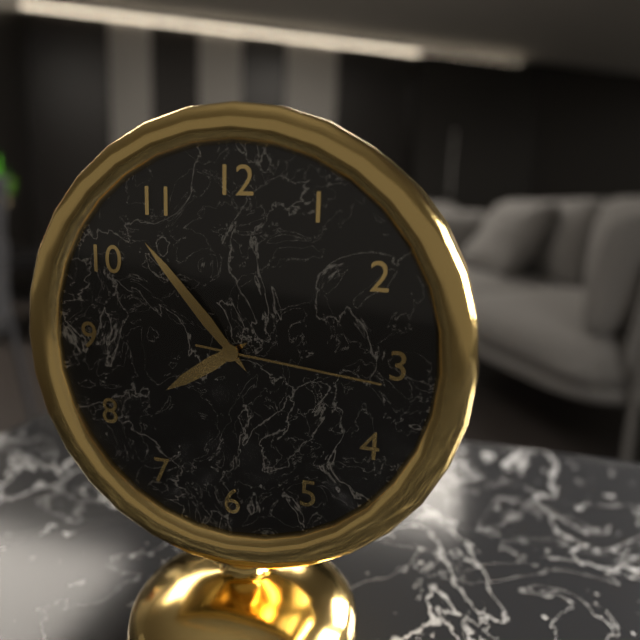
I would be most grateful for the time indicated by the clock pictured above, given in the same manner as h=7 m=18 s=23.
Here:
h=7 m=53 s=16
